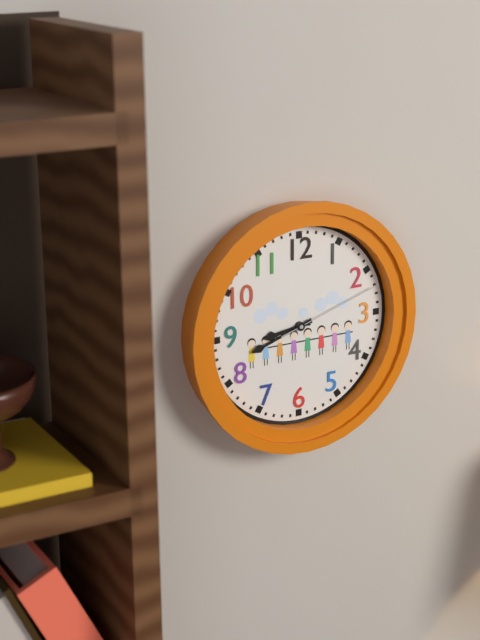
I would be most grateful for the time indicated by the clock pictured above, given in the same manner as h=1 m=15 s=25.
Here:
h=8 m=42 s=12
